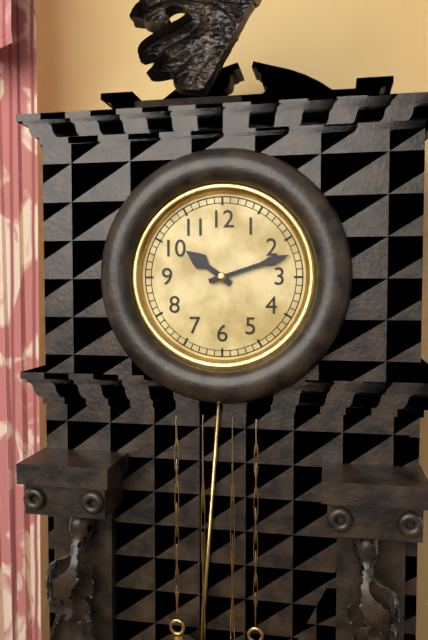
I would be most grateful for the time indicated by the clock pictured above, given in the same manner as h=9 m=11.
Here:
h=10 m=12
